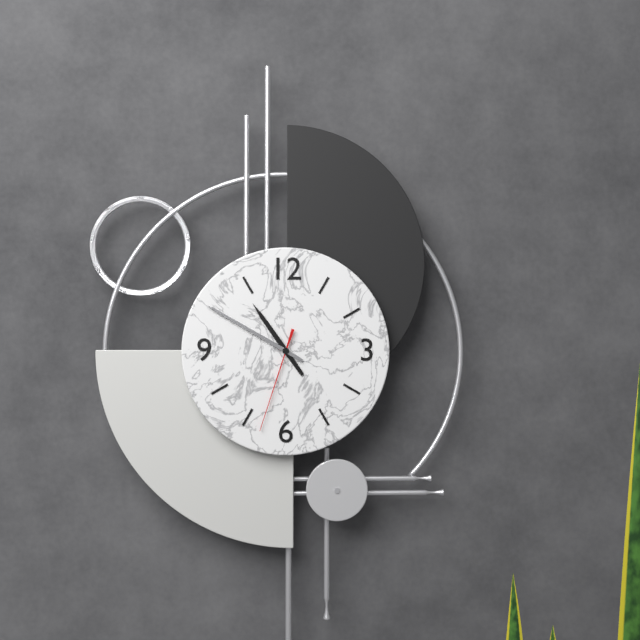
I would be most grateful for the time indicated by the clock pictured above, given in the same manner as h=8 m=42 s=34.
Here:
h=10 m=50 s=33
